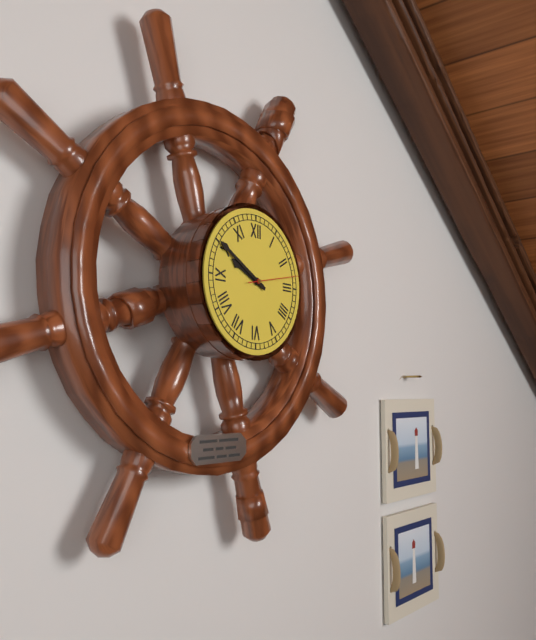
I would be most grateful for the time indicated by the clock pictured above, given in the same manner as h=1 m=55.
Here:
h=9 m=50
